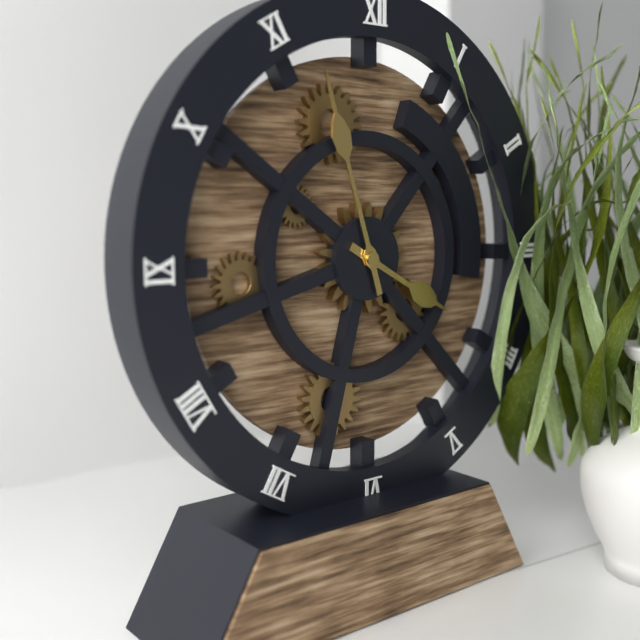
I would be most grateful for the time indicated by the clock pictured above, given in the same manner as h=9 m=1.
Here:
h=3 m=57
